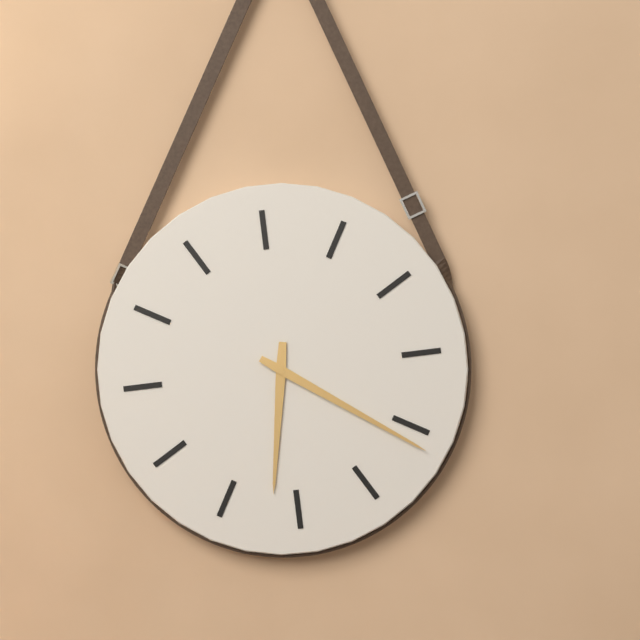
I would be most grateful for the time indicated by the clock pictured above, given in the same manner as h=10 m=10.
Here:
h=6 m=21
